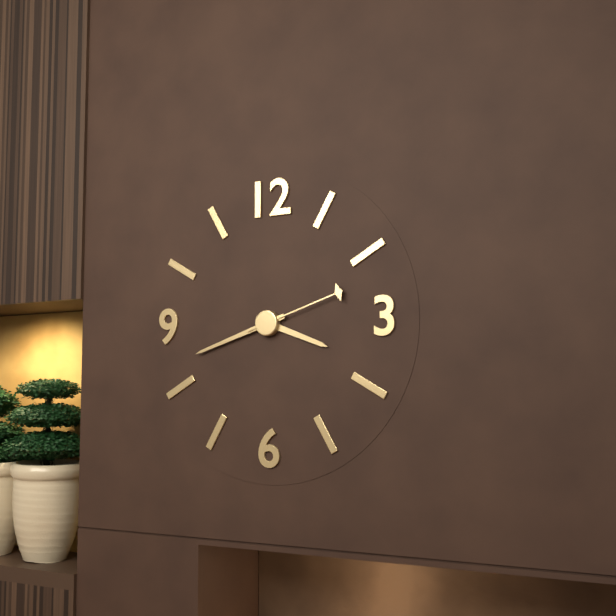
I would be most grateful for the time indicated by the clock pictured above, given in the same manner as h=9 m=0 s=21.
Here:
h=3 m=42 s=12
